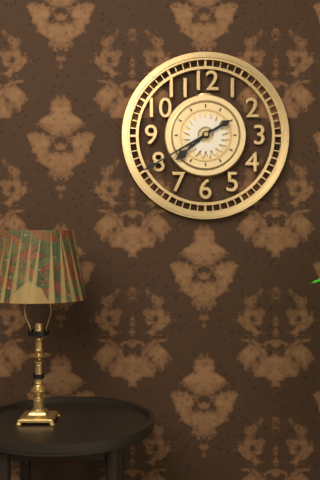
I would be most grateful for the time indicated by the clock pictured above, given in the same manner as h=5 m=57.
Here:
h=7 m=40
